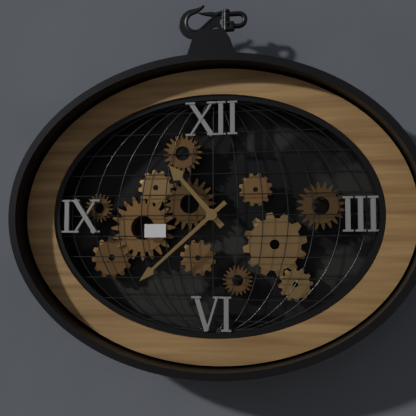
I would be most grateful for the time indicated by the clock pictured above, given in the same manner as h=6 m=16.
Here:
h=10 m=38
